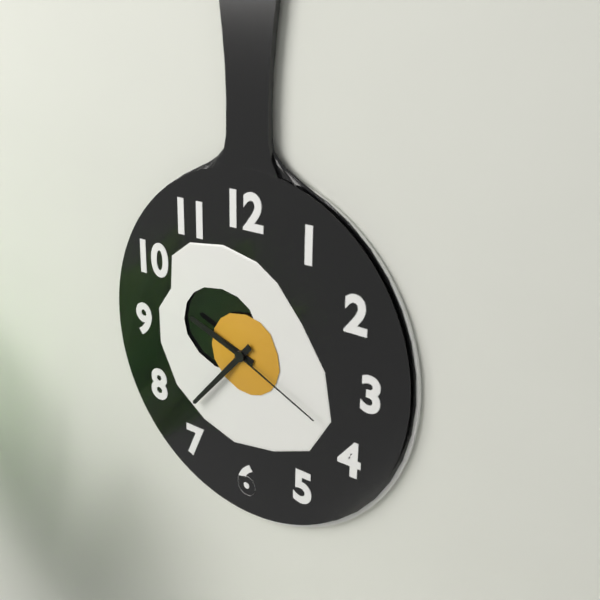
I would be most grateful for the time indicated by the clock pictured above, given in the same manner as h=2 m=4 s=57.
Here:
h=9 m=37 s=19
